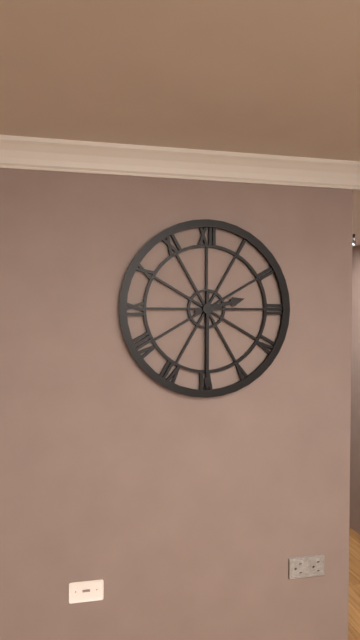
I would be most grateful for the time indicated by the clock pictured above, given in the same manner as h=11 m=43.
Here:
h=2 m=30
